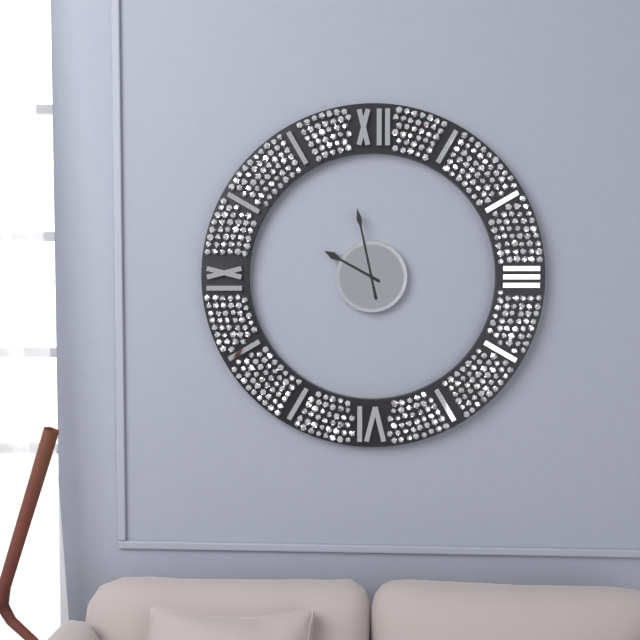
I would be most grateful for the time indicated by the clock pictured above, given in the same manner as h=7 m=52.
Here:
h=9 m=58
